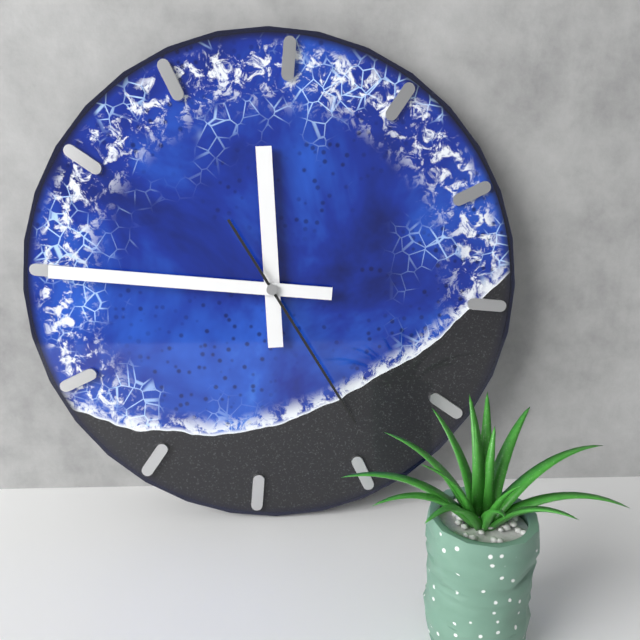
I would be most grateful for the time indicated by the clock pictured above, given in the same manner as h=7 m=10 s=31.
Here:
h=11 m=45 s=24
